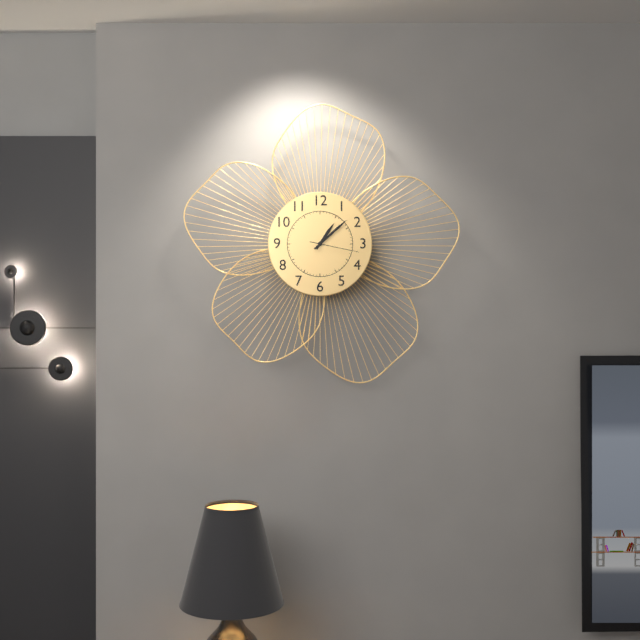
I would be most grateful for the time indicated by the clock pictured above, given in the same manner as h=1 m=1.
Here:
h=1 m=8
